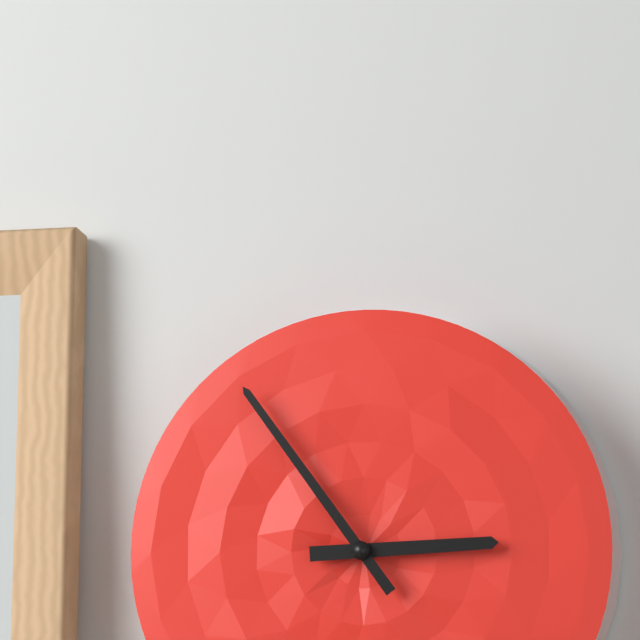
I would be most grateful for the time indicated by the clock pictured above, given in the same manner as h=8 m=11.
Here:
h=2 m=54
